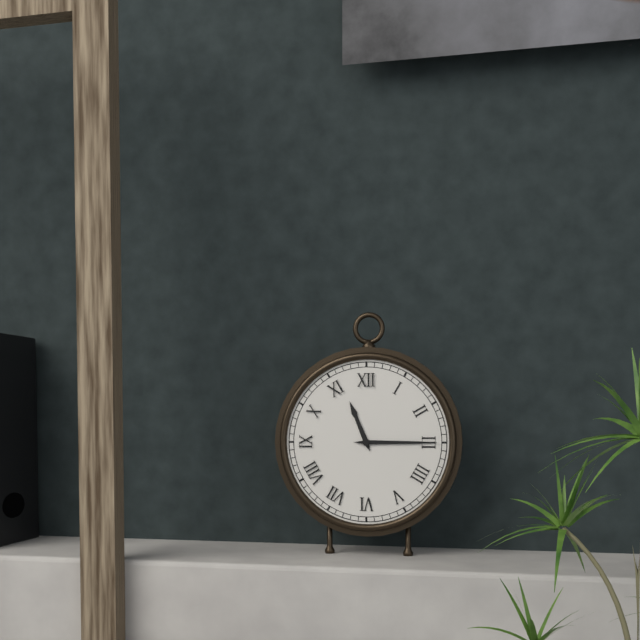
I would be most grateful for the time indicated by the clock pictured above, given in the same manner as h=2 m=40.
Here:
h=11 m=15
